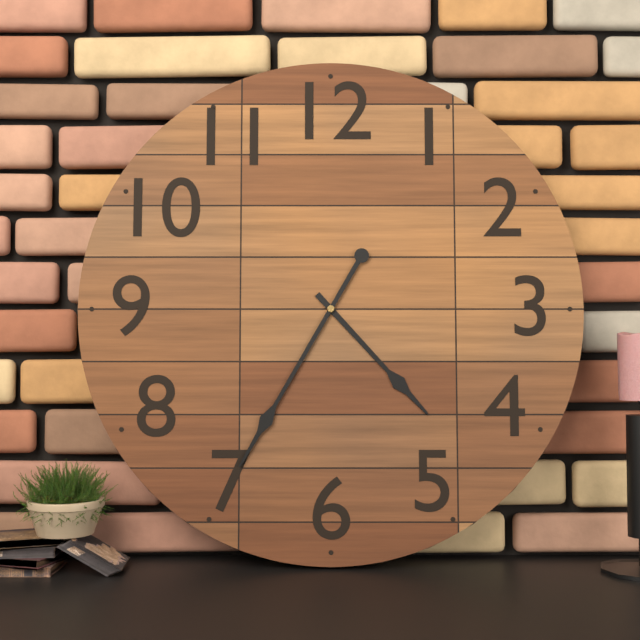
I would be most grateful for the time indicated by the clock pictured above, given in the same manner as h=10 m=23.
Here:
h=4 m=35
